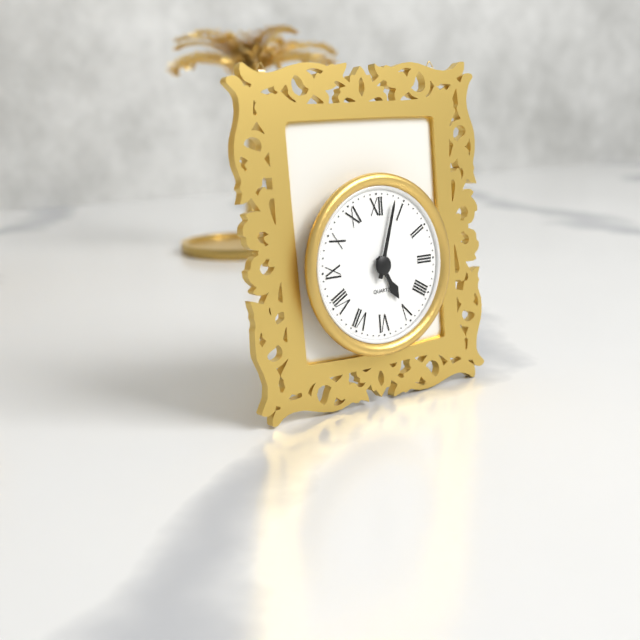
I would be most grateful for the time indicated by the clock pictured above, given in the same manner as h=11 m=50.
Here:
h=5 m=3
